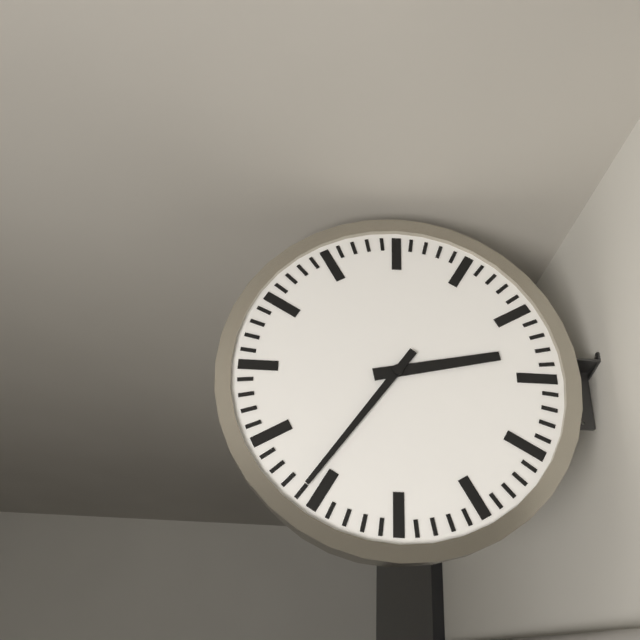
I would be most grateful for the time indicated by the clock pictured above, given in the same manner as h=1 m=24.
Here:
h=2 m=36
